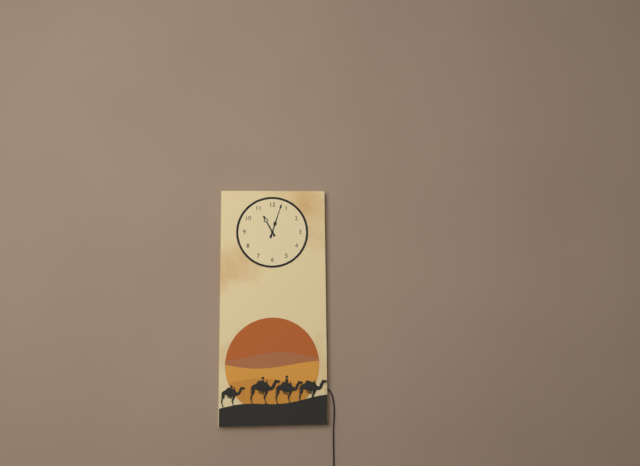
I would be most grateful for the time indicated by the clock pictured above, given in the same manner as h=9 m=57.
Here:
h=11 m=3
